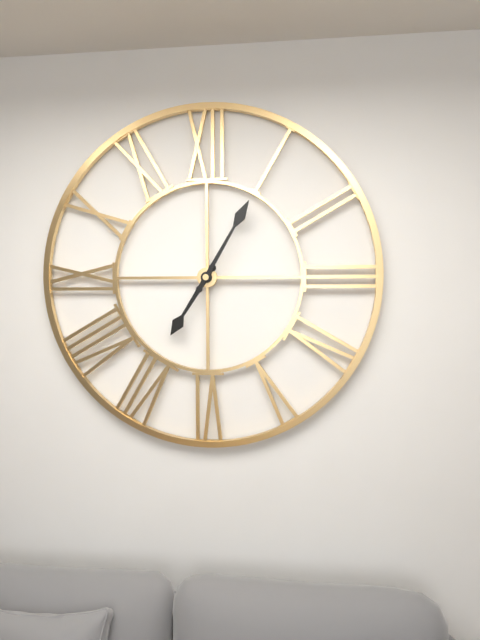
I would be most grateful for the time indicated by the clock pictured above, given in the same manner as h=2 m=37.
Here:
h=7 m=5
